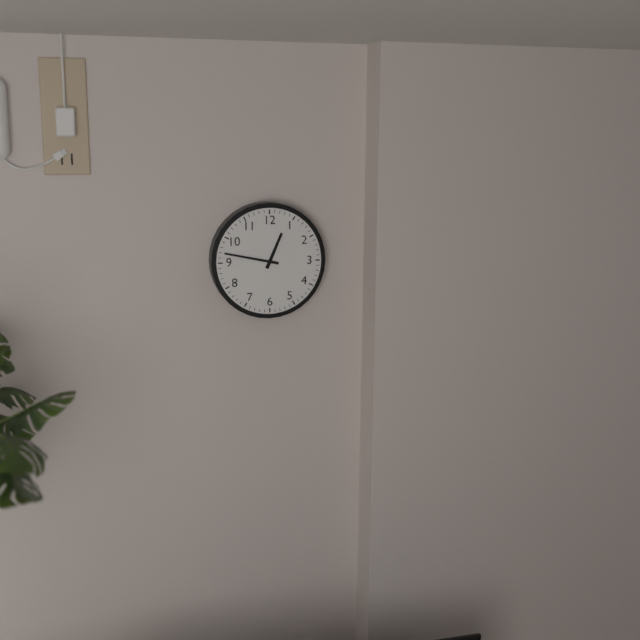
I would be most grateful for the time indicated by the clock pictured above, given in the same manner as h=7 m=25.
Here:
h=12 m=47
